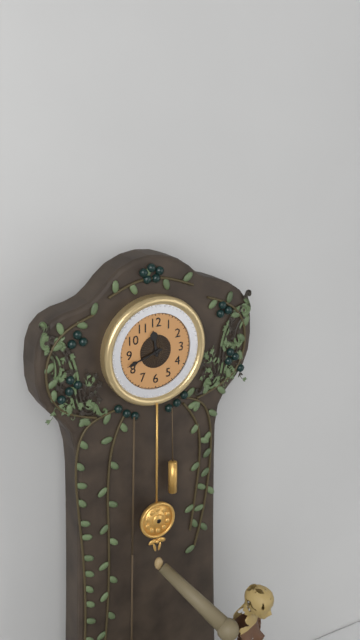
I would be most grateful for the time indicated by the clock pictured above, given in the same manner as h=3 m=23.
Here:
h=11 m=42
